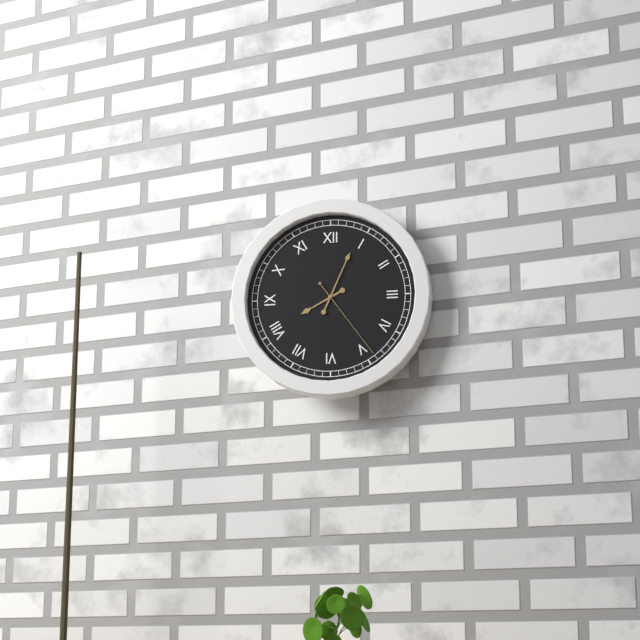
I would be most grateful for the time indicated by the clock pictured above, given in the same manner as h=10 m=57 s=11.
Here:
h=8 m=4 s=24
